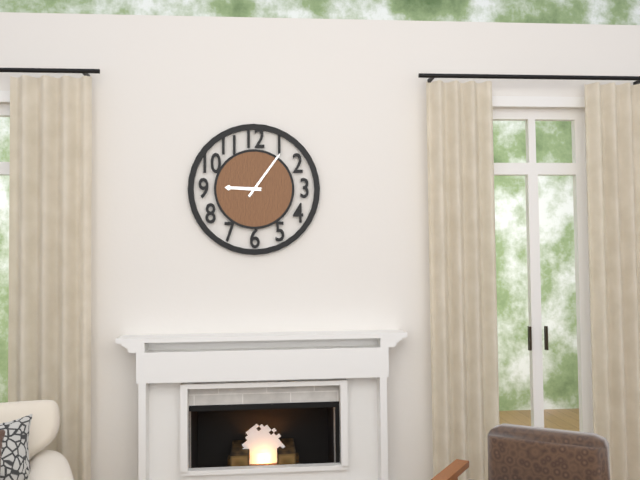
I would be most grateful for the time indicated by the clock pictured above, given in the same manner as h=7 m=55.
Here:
h=9 m=6
